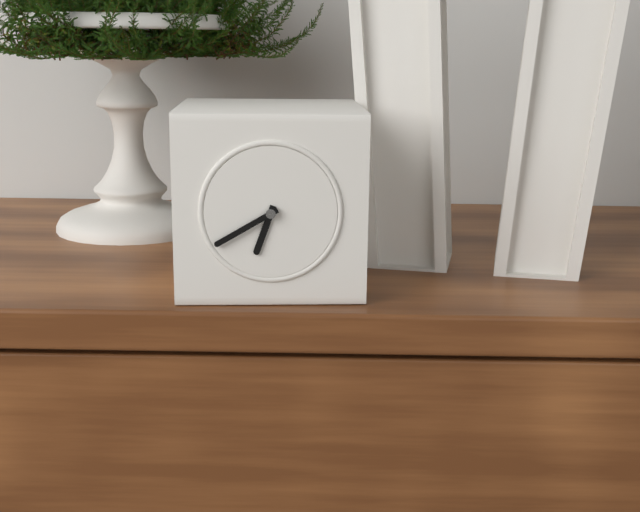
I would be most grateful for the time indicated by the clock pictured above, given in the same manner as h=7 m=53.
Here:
h=6 m=40
